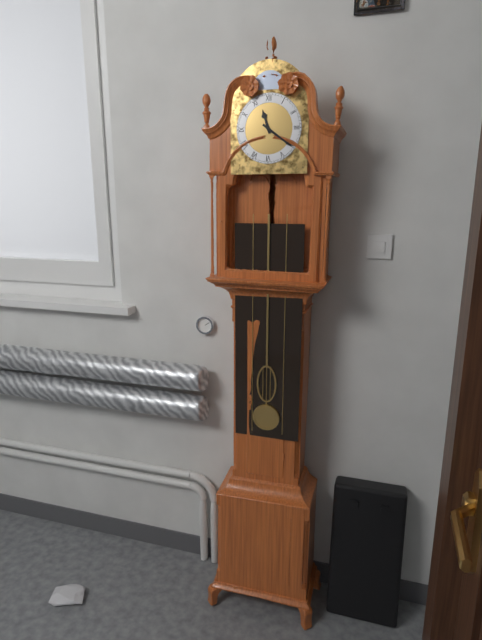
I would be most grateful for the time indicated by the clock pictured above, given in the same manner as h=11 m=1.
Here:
h=11 m=21
